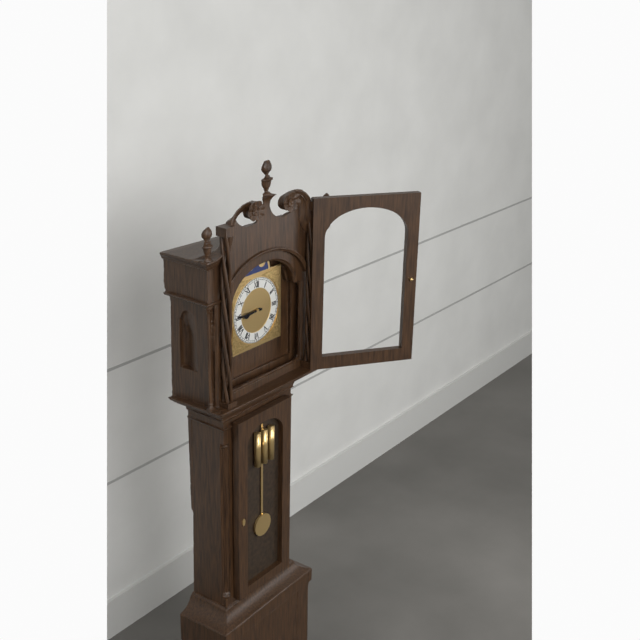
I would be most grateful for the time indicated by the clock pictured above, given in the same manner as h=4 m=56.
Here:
h=8 m=45
